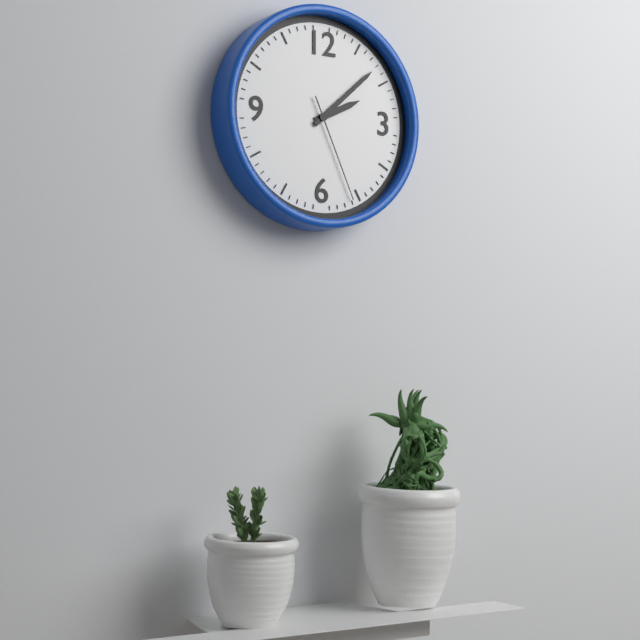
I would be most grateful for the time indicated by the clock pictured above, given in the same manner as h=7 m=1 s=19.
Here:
h=2 m=8 s=26
